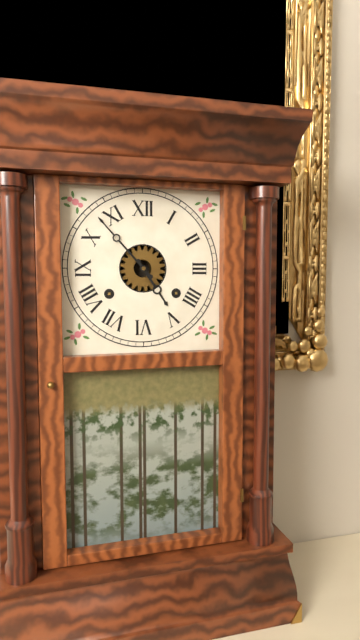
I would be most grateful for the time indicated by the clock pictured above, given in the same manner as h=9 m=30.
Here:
h=4 m=53
